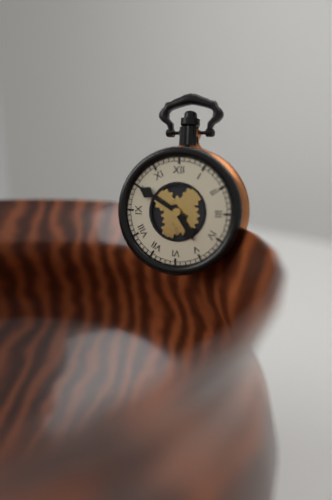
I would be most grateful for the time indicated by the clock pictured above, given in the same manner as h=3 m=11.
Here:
h=4 m=50
